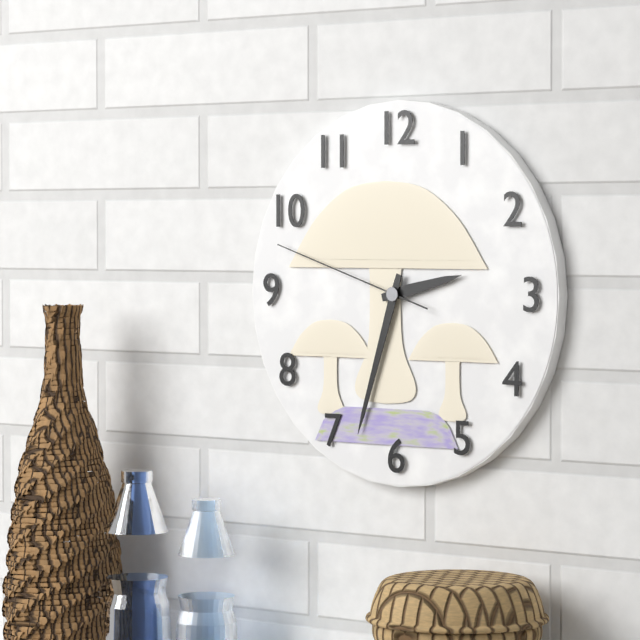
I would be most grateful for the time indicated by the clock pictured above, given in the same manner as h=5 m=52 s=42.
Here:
h=2 m=33 s=48
